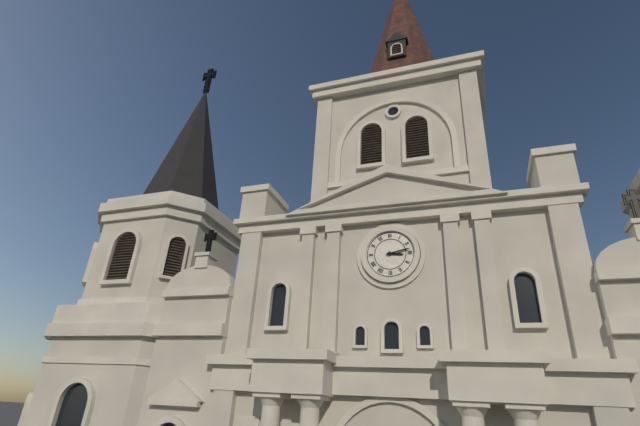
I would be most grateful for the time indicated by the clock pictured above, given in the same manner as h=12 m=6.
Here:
h=3 m=13
